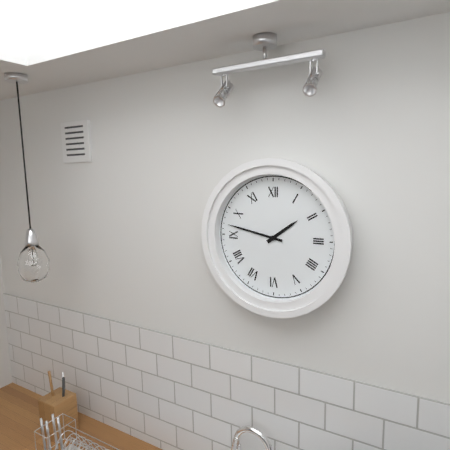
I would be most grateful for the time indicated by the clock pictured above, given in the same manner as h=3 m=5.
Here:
h=1 m=47
